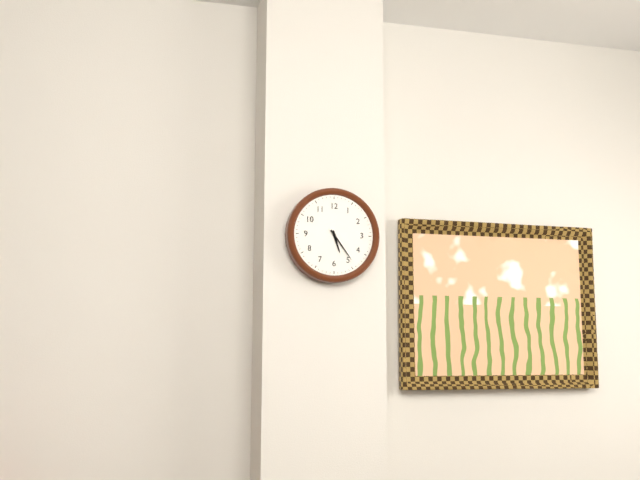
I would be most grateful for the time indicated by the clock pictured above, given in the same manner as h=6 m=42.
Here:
h=5 m=24
